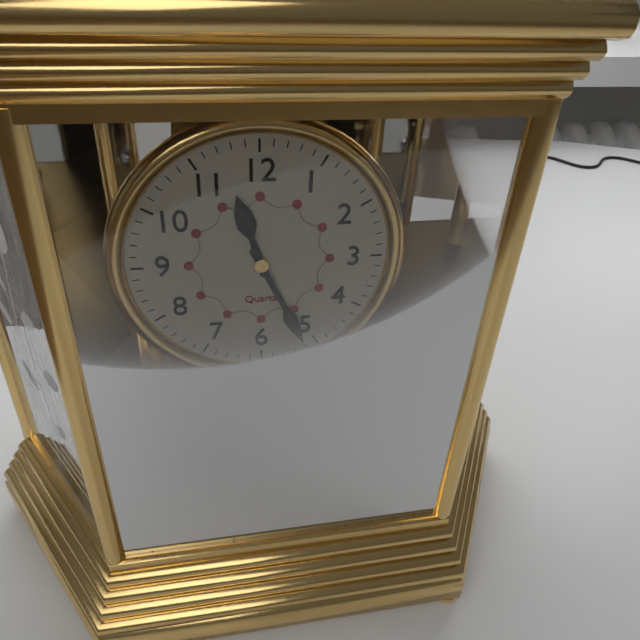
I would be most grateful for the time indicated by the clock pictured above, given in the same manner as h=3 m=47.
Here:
h=11 m=26
